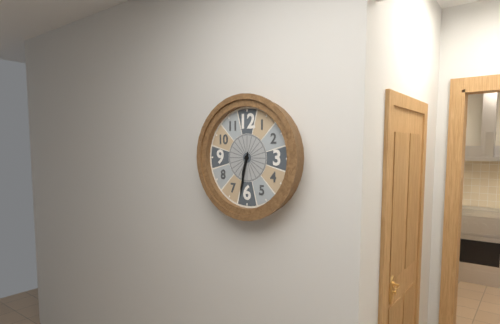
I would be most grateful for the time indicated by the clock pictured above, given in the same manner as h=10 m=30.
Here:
h=6 m=32
